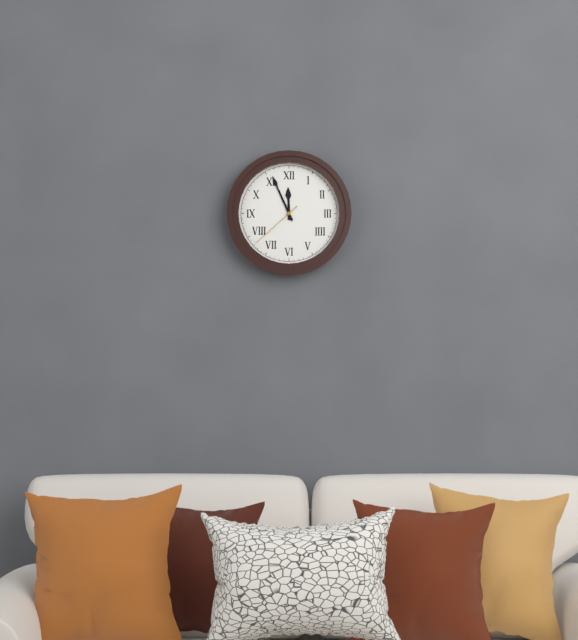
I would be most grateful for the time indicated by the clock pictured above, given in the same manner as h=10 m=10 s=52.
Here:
h=11 m=56 s=38
